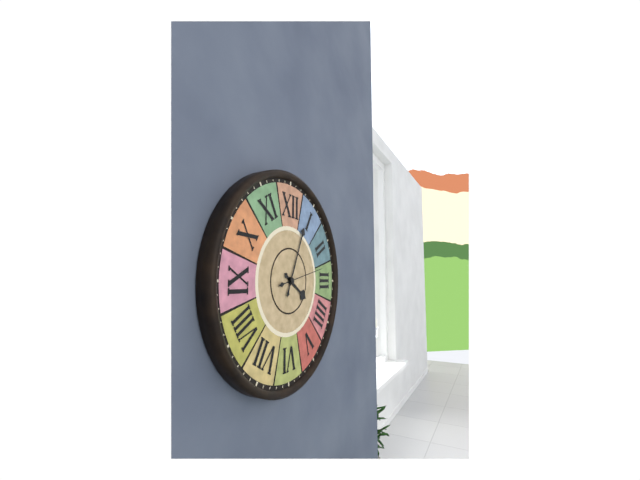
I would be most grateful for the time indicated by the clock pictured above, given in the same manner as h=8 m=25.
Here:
h=4 m=4
